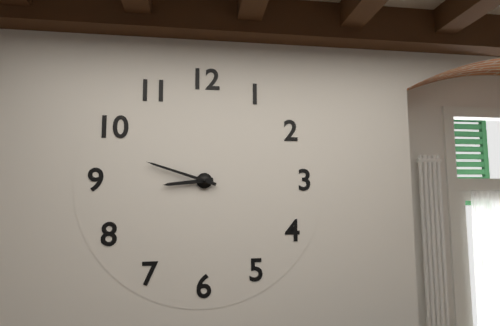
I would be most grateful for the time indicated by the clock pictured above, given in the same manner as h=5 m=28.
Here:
h=8 m=48
